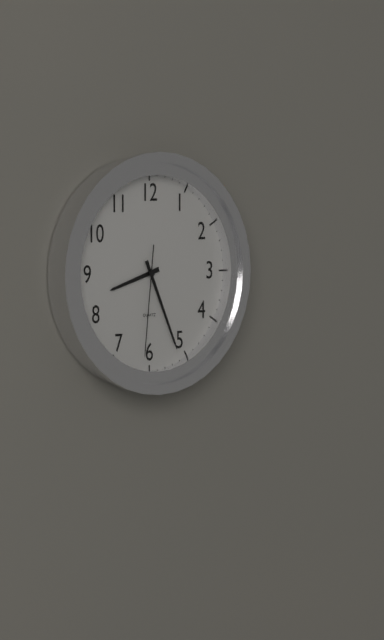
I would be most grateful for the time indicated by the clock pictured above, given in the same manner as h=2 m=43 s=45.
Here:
h=8 m=26 s=31
